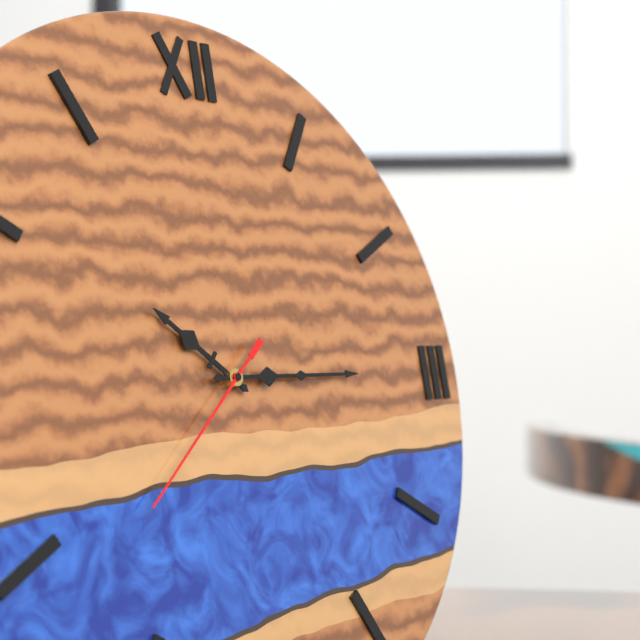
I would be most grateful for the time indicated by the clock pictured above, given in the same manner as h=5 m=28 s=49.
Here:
h=10 m=15 s=38
